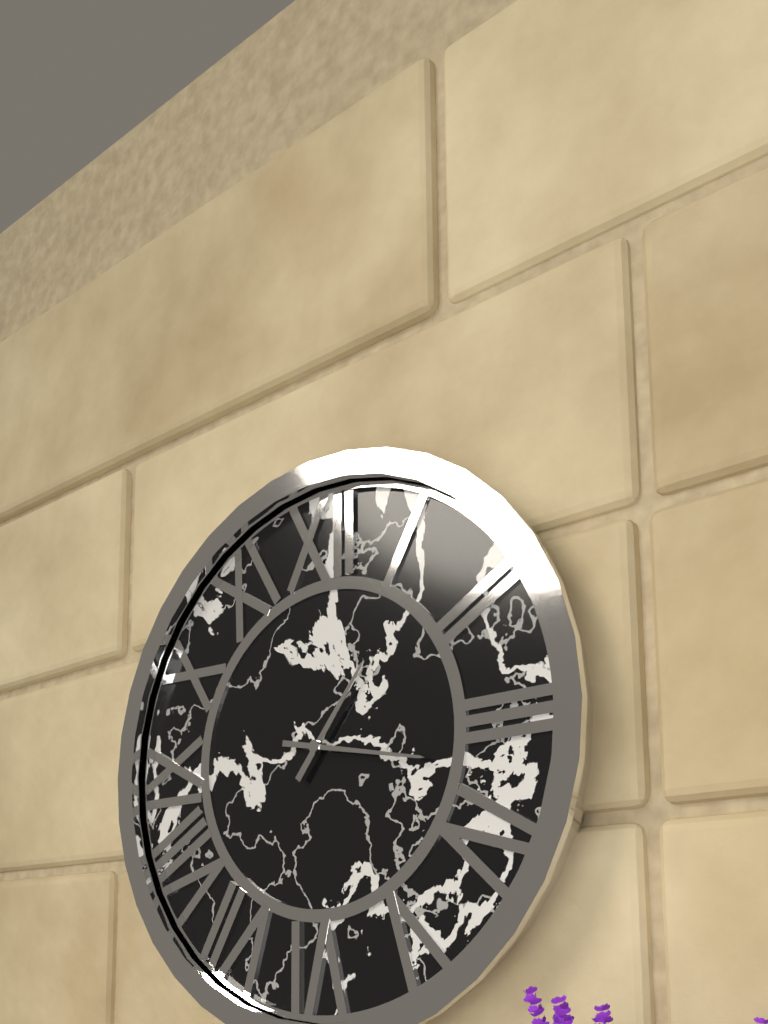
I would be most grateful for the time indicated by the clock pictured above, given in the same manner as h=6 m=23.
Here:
h=1 m=17
